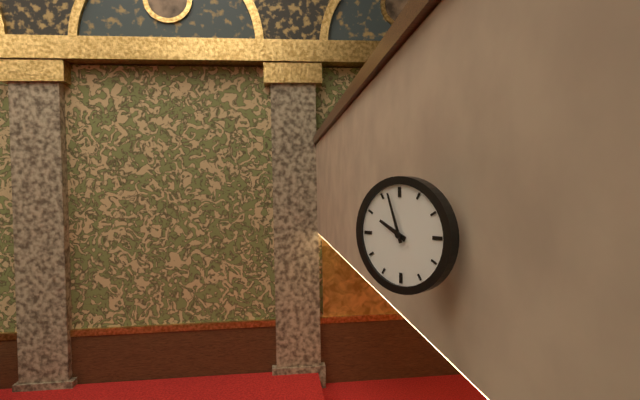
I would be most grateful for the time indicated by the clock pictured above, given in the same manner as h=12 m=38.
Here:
h=9 m=57
